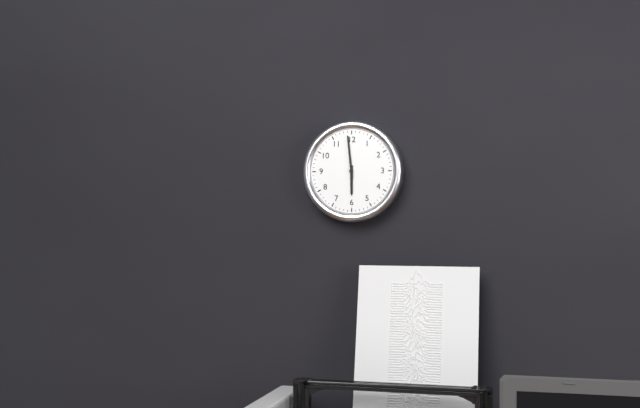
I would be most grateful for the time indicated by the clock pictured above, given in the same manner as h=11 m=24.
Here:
h=5 m=59
